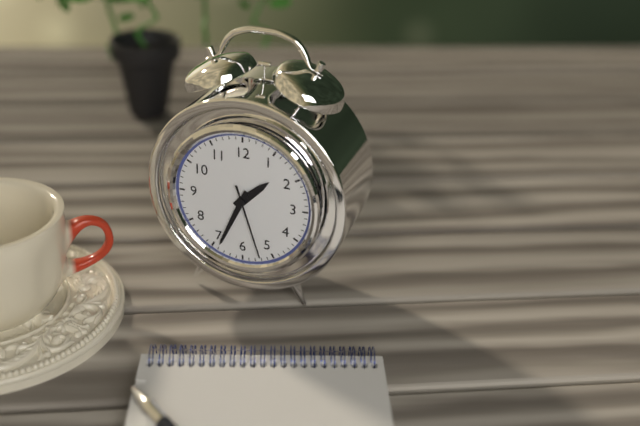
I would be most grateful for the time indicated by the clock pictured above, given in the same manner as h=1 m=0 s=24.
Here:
h=1 m=34 s=27
